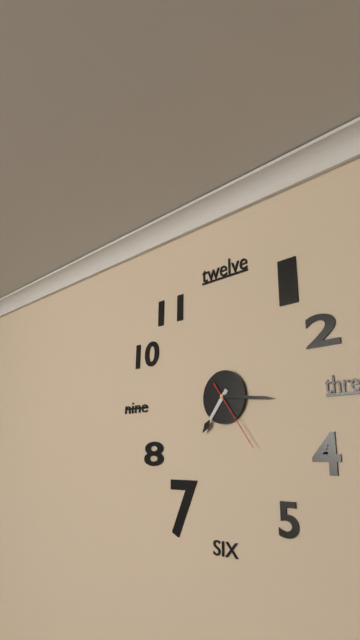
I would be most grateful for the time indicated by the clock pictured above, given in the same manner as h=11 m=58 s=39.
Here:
h=7 m=16 s=24
